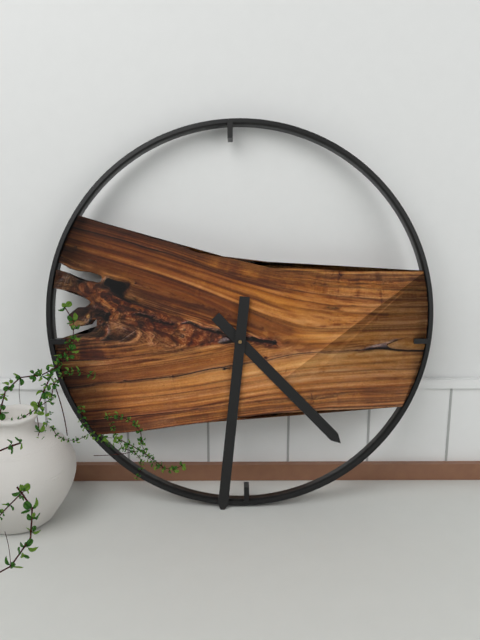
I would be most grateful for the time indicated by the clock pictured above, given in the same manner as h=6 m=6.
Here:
h=4 m=31
